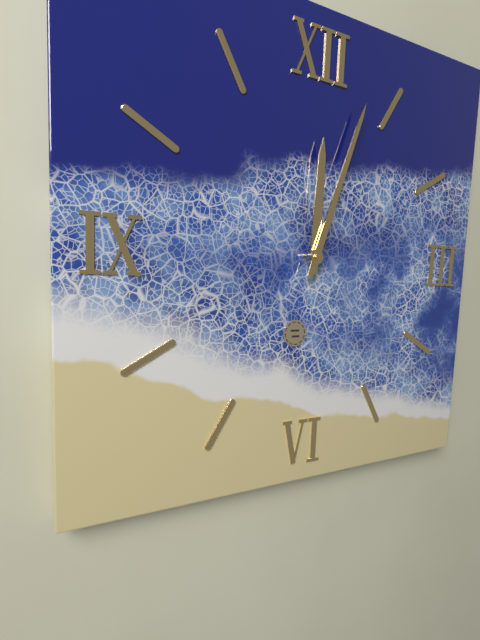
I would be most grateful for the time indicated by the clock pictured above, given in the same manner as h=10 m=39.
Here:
h=12 m=3
